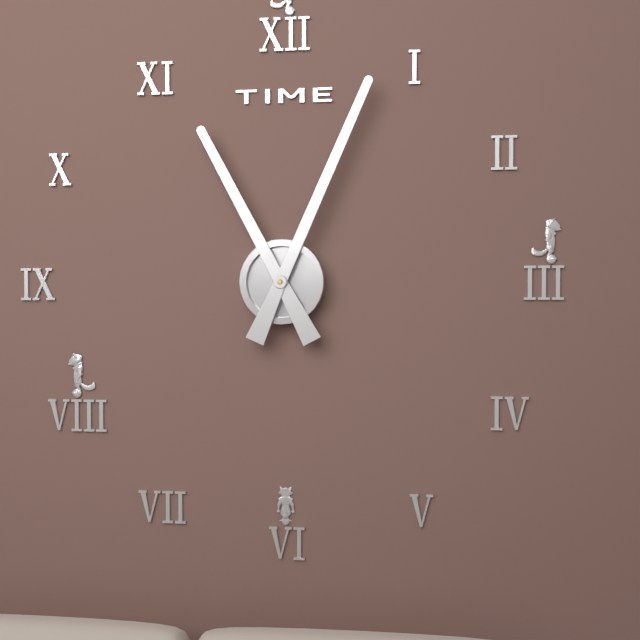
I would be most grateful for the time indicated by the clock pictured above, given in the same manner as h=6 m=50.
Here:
h=11 m=4
